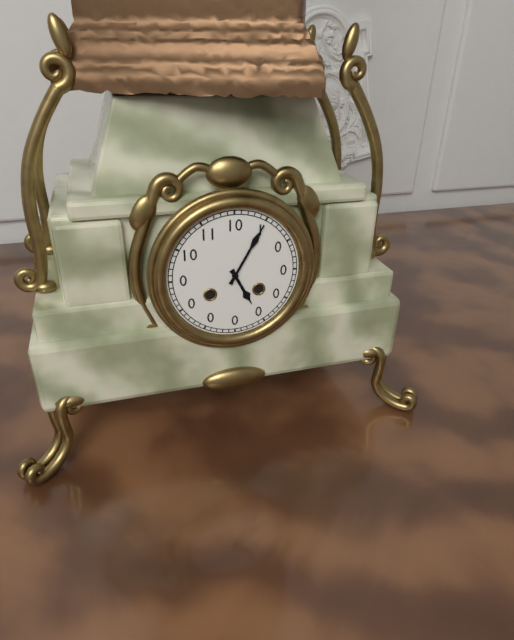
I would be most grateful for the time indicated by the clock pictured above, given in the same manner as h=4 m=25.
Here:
h=5 m=5
